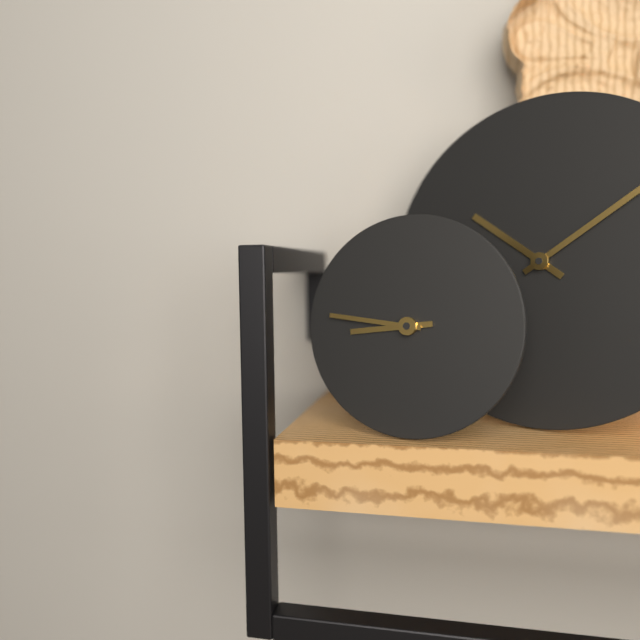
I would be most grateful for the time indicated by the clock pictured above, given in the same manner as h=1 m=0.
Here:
h=8 m=46
